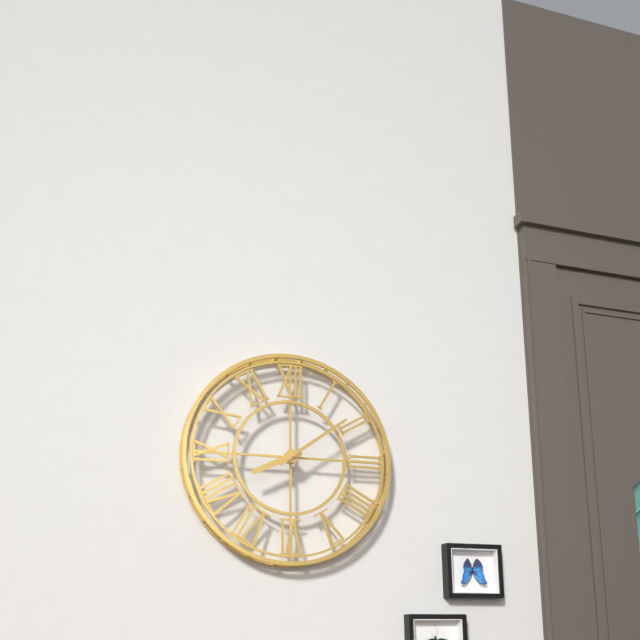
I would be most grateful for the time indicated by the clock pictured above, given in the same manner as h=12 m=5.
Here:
h=8 m=9
